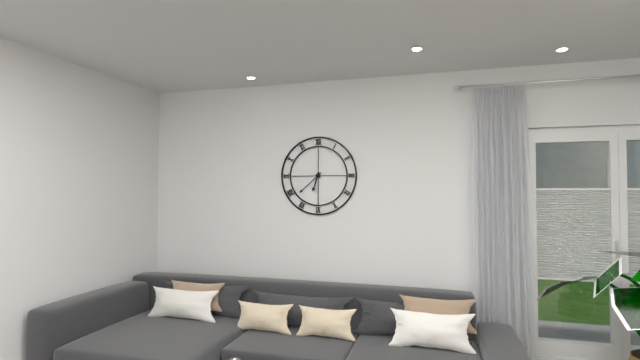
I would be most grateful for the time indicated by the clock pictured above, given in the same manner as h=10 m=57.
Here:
h=6 m=38
